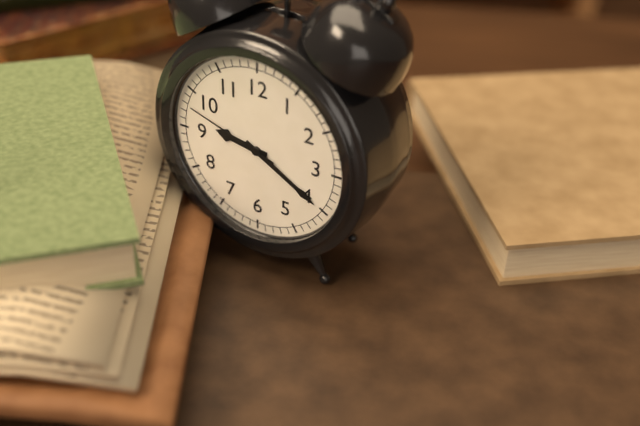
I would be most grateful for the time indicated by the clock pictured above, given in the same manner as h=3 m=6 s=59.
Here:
h=9 m=20 s=48
